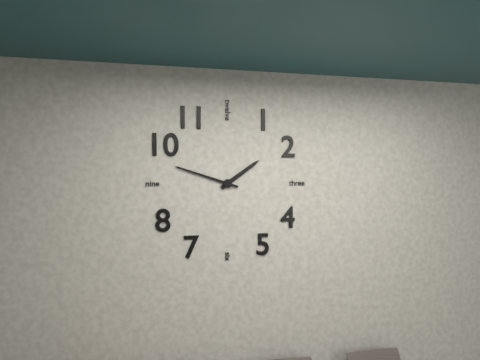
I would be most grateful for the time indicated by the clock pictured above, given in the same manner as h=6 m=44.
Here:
h=1 m=48
